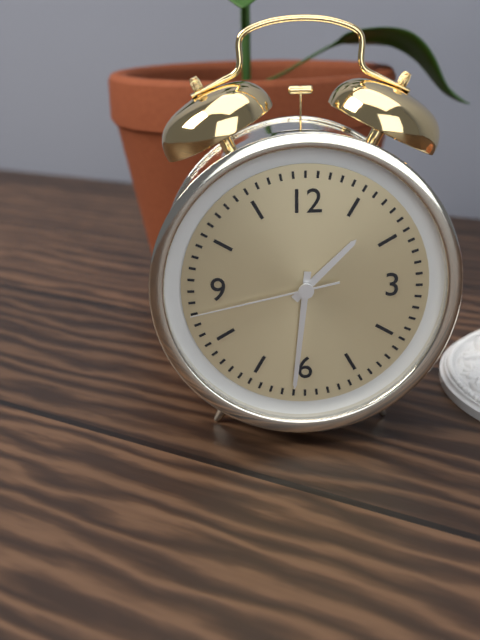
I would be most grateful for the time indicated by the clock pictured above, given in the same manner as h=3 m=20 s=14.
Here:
h=1 m=31 s=43
